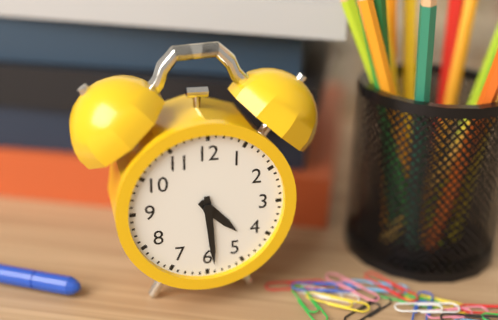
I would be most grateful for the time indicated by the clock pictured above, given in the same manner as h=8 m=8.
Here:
h=4 m=29
